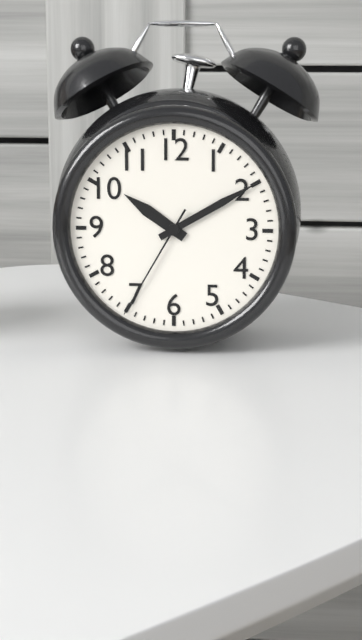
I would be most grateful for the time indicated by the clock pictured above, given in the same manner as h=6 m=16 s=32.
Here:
h=10 m=10 s=35
